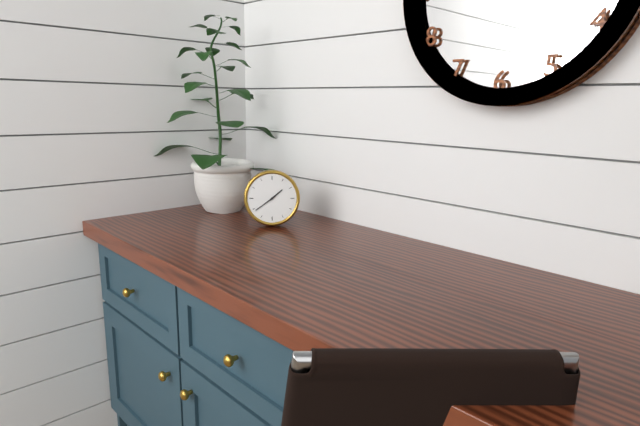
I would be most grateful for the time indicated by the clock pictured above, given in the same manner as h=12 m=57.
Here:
h=1 m=39
